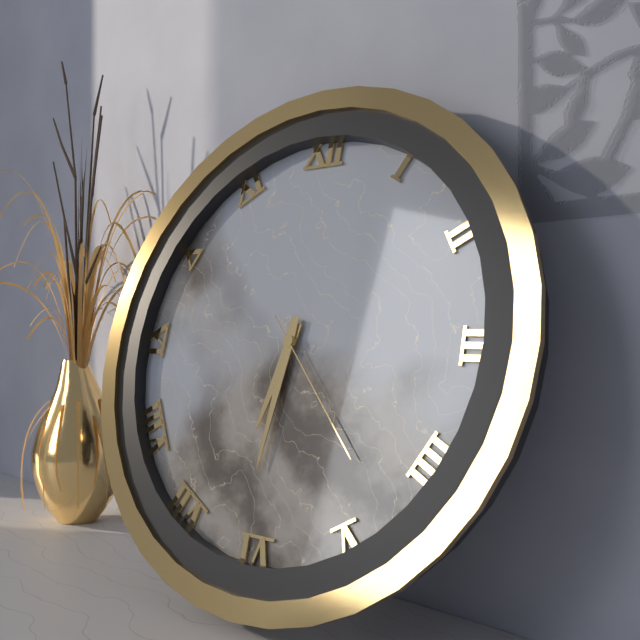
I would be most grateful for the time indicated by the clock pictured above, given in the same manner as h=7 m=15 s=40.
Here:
h=6 m=31 s=23
